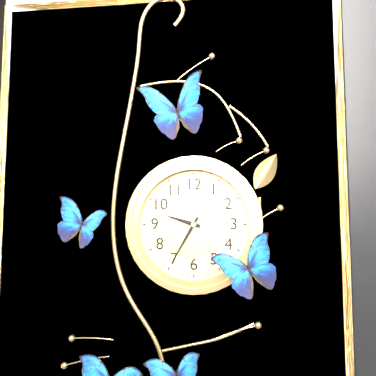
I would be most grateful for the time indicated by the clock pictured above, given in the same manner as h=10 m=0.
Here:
h=9 m=35
